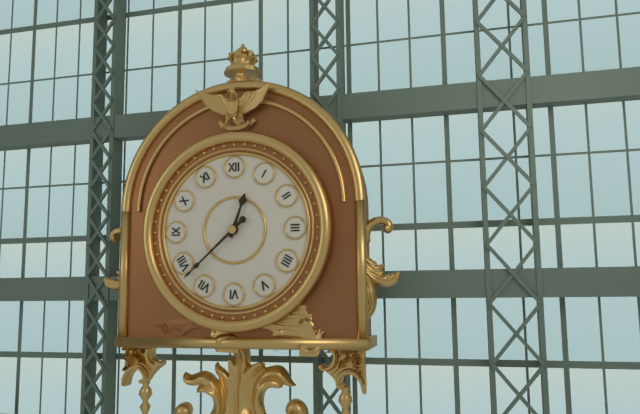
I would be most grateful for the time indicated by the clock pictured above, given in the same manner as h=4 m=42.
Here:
h=12 m=38
